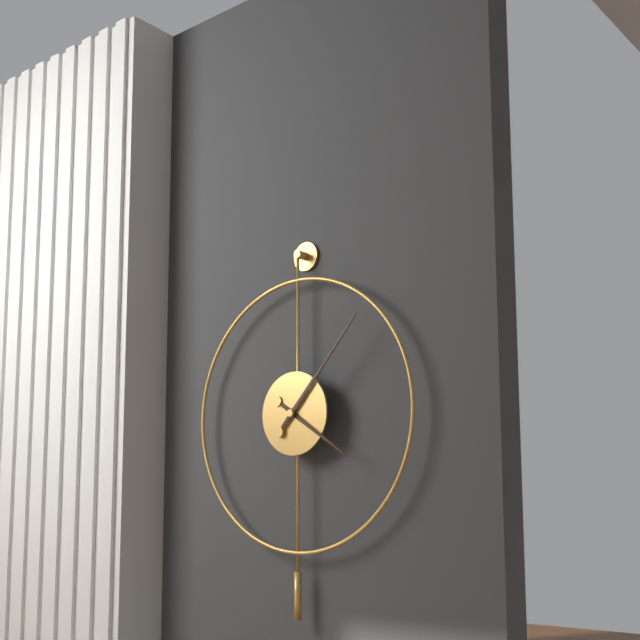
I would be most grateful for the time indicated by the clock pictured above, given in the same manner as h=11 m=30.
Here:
h=4 m=7
